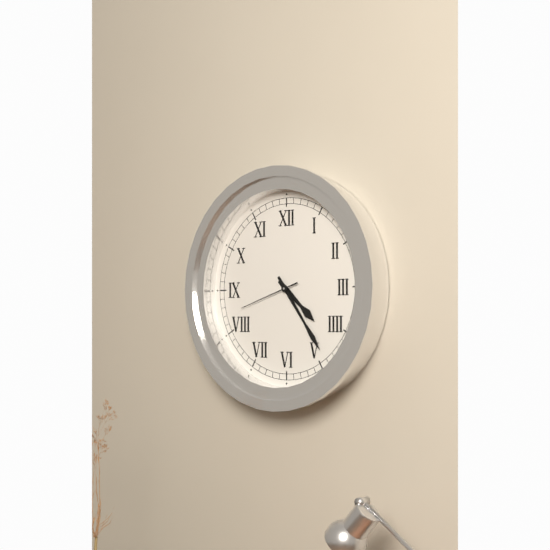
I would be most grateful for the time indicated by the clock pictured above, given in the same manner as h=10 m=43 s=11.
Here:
h=4 m=24 s=42
